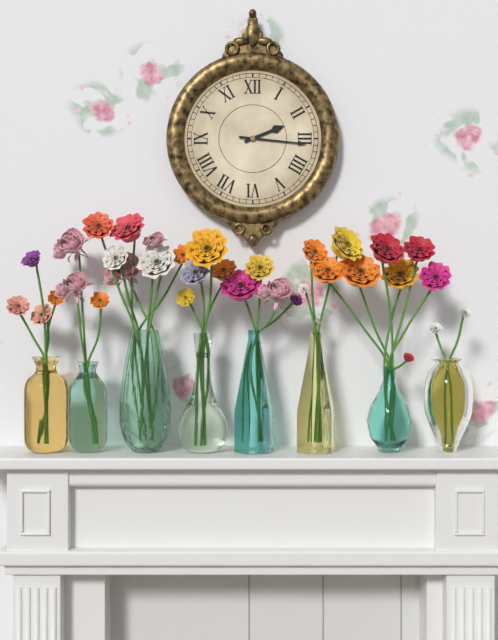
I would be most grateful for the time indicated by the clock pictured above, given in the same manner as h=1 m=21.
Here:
h=2 m=16
